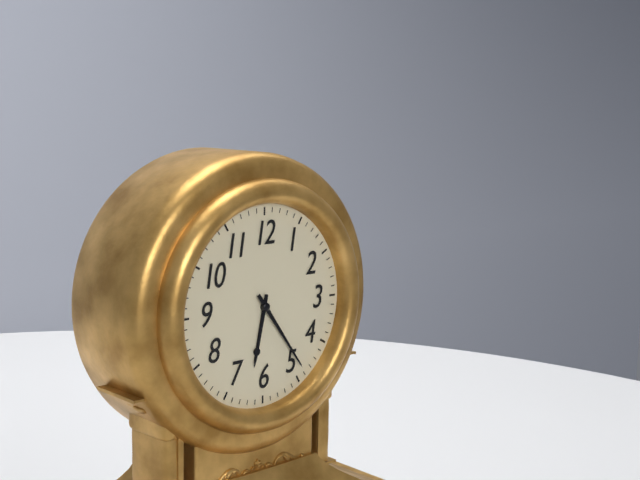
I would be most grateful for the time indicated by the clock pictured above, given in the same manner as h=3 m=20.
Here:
h=6 m=24
